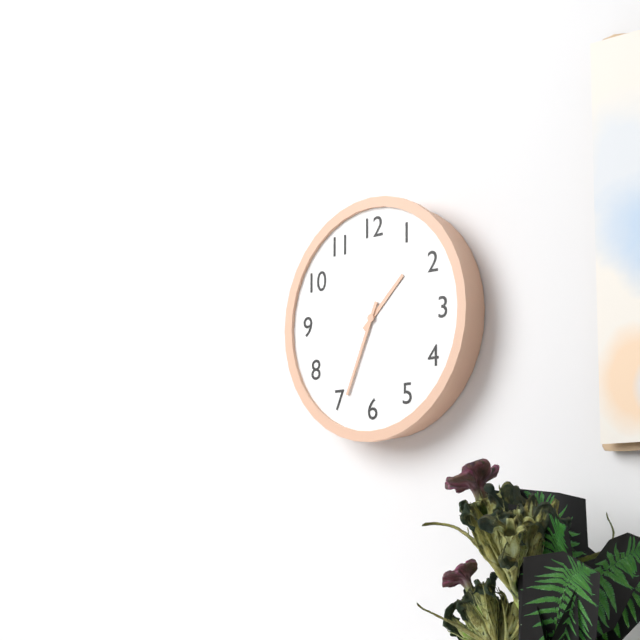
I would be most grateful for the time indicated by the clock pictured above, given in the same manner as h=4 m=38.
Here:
h=1 m=34
